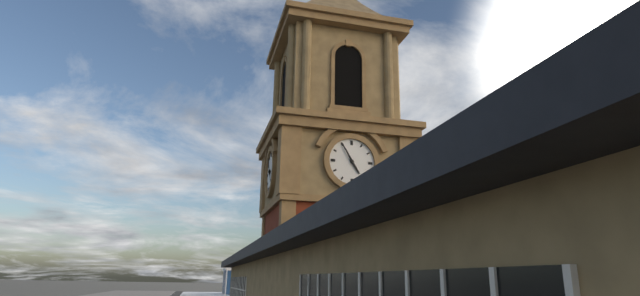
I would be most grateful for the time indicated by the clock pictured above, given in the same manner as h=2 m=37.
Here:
h=4 m=55
